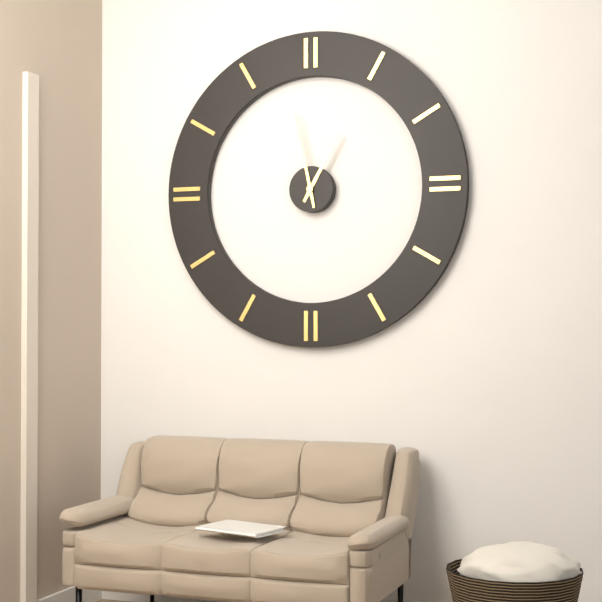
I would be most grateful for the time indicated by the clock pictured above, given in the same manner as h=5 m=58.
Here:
h=12 m=58
